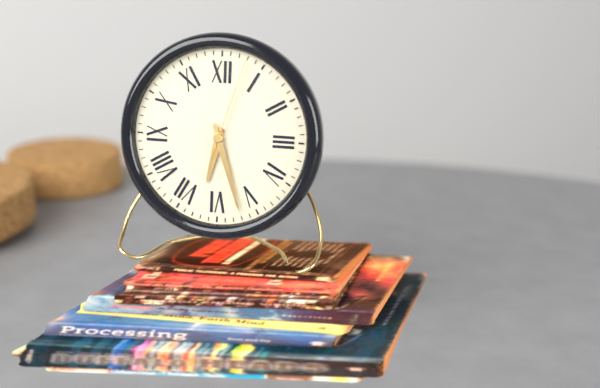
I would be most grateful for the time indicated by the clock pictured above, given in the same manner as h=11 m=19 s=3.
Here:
h=6 m=27 s=3
